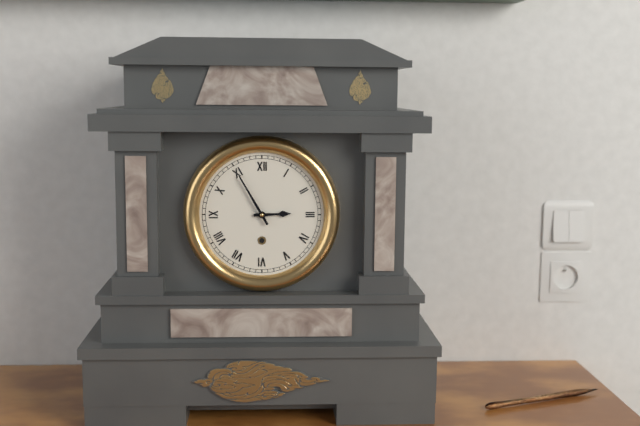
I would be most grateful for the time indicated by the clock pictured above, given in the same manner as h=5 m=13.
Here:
h=2 m=55
